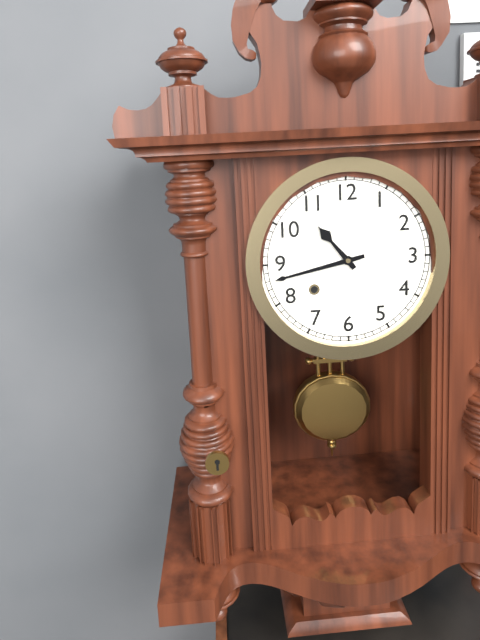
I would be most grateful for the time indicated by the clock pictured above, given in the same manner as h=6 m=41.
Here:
h=10 m=43
